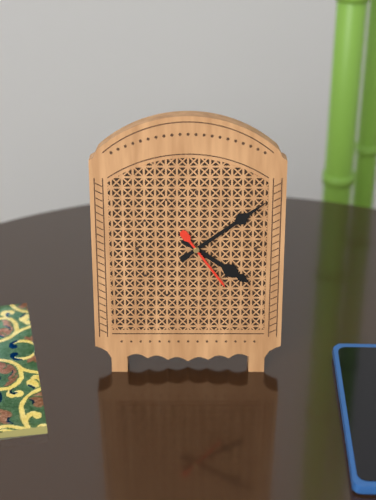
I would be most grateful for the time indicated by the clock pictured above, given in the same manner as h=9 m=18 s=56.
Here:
h=4 m=9 s=24
